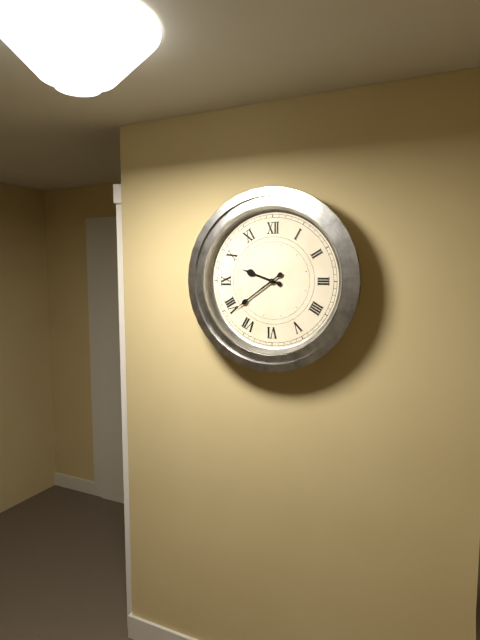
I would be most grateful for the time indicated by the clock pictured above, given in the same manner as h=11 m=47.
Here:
h=9 m=39
